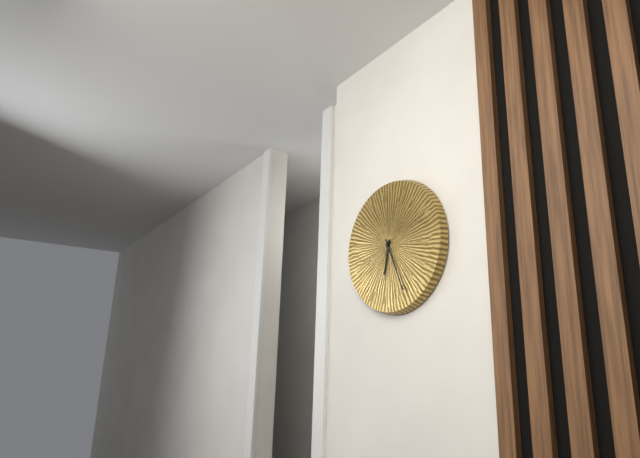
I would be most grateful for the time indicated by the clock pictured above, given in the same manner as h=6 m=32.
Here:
h=6 m=26
